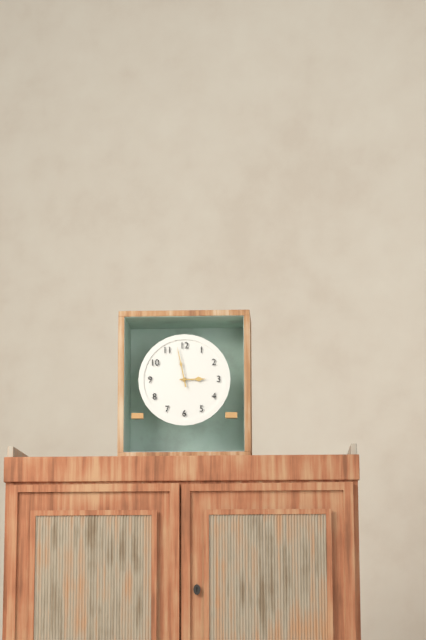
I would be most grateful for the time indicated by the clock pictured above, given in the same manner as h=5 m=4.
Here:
h=2 m=58
